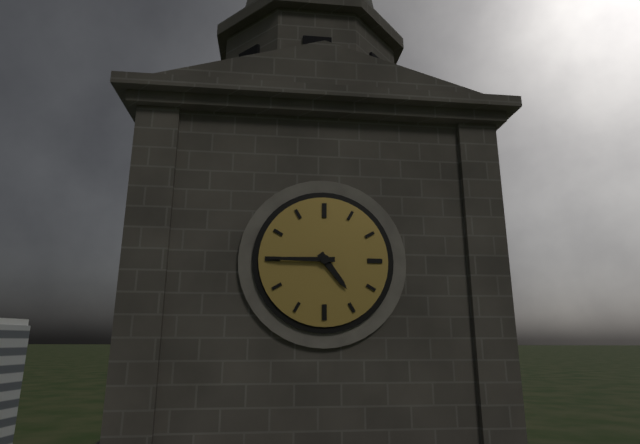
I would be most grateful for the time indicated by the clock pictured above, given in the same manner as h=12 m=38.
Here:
h=4 m=45
